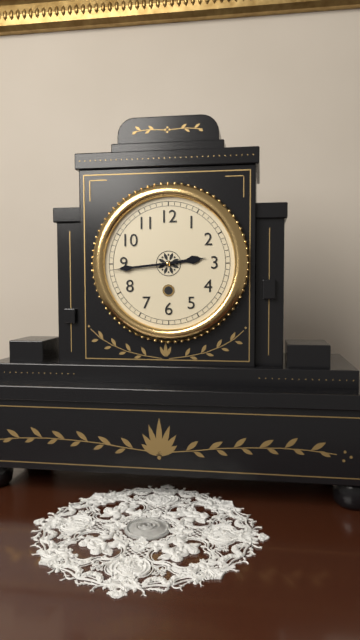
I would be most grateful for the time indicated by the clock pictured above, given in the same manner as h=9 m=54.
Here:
h=2 m=44
